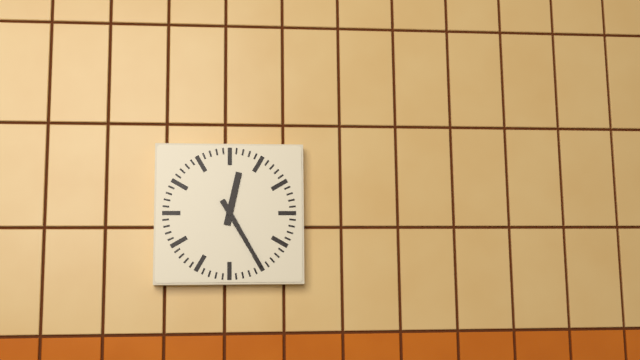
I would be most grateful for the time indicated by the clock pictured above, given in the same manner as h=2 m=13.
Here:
h=12 m=25
